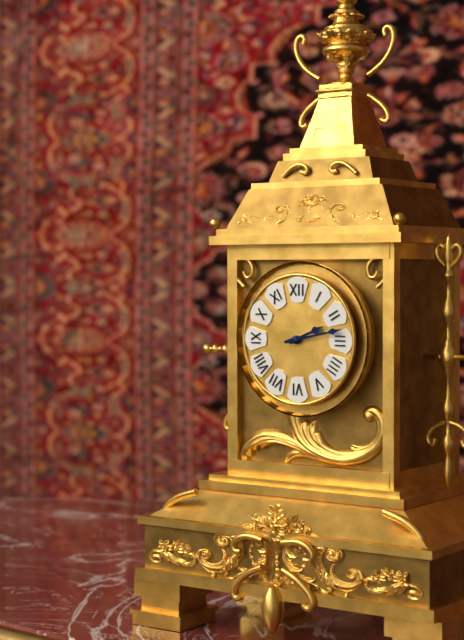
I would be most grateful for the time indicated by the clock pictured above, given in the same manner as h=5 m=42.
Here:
h=2 m=13
